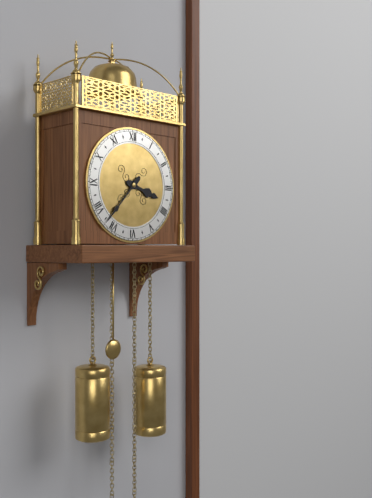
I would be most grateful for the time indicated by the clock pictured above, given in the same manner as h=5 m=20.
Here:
h=3 m=37
